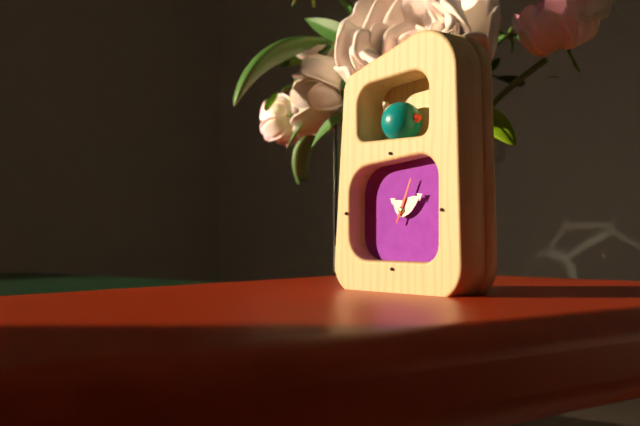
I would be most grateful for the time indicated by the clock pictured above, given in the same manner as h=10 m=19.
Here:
h=10 m=10
